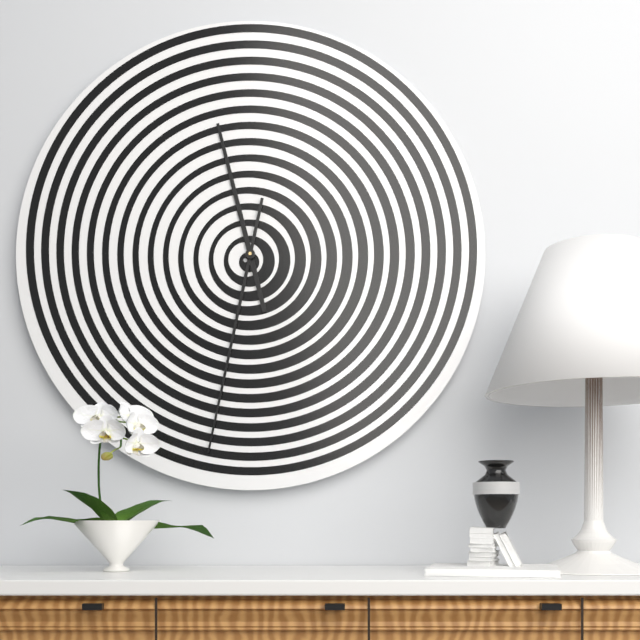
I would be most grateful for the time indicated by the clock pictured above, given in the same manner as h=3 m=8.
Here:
h=11 m=32
